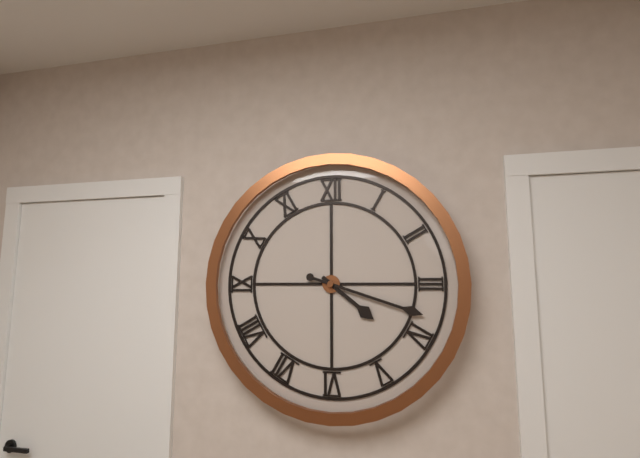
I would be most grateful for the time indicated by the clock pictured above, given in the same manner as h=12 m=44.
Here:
h=4 m=18
